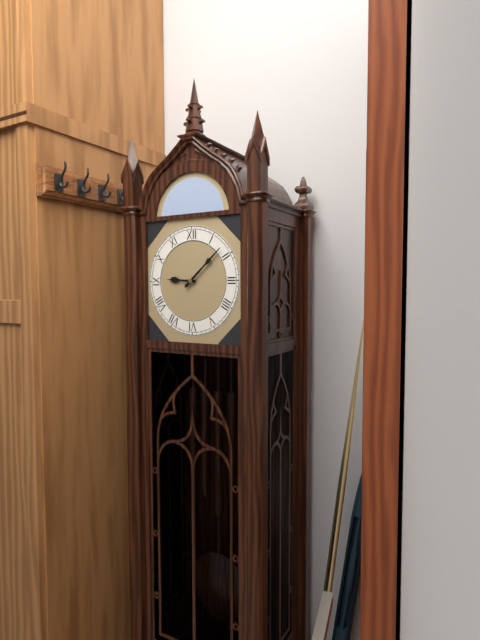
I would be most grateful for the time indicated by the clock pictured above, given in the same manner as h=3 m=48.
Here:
h=9 m=8
